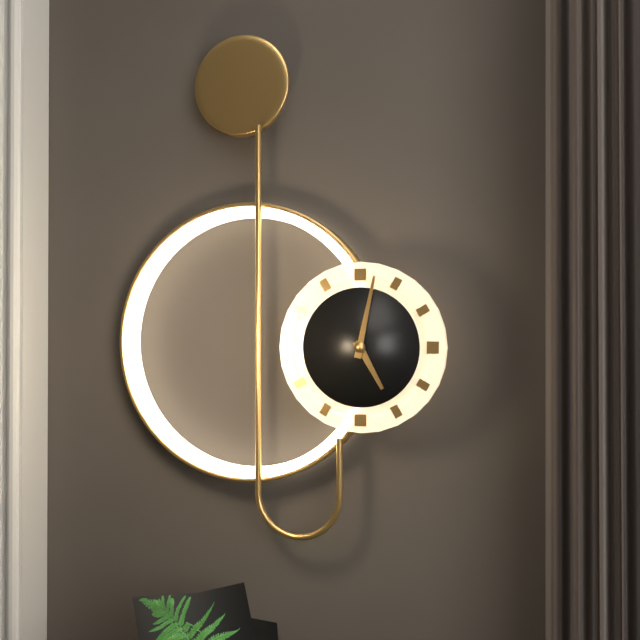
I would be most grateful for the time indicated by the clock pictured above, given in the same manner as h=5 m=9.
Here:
h=5 m=2
